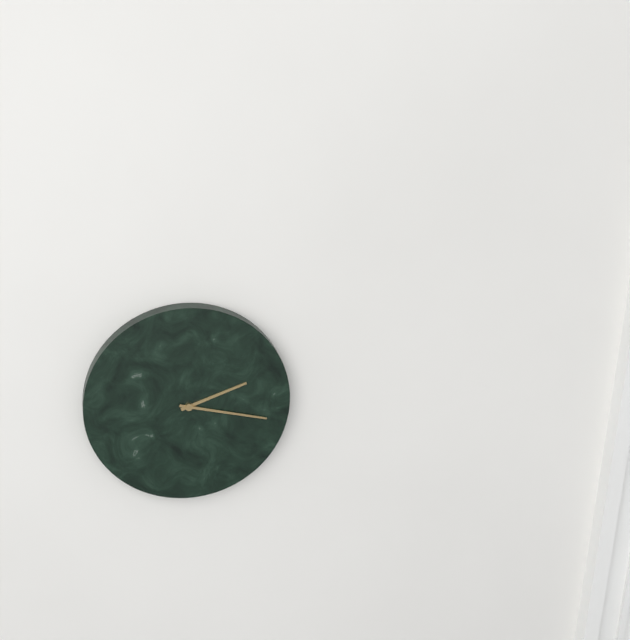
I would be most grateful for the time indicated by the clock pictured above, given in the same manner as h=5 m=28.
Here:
h=2 m=17
